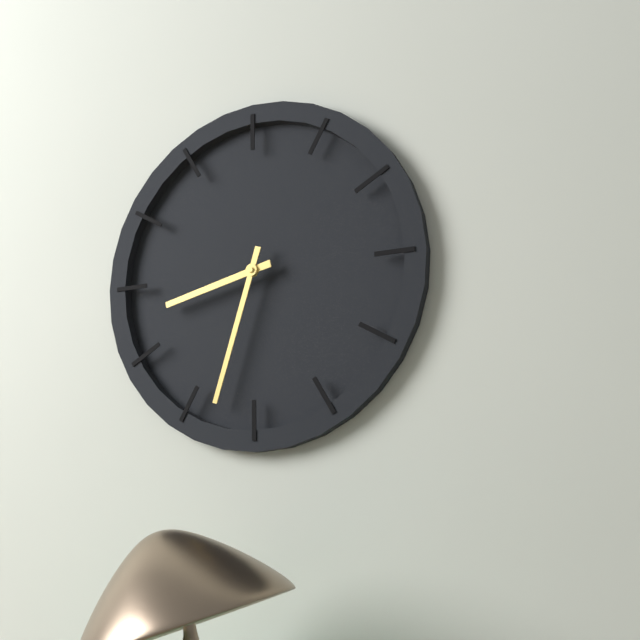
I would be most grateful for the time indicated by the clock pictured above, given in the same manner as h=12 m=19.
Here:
h=8 m=33
